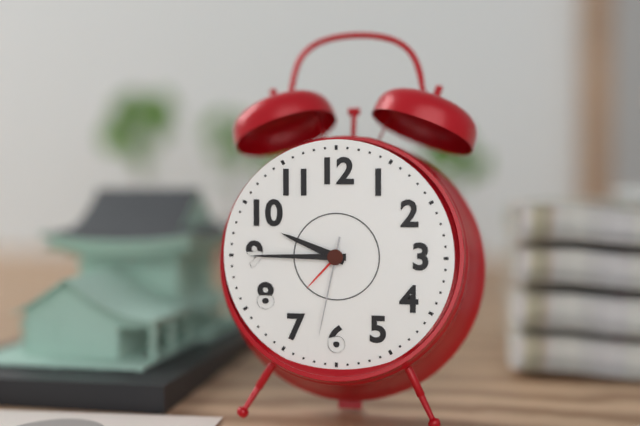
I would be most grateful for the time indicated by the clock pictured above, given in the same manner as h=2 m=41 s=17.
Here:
h=9 m=45 s=32
